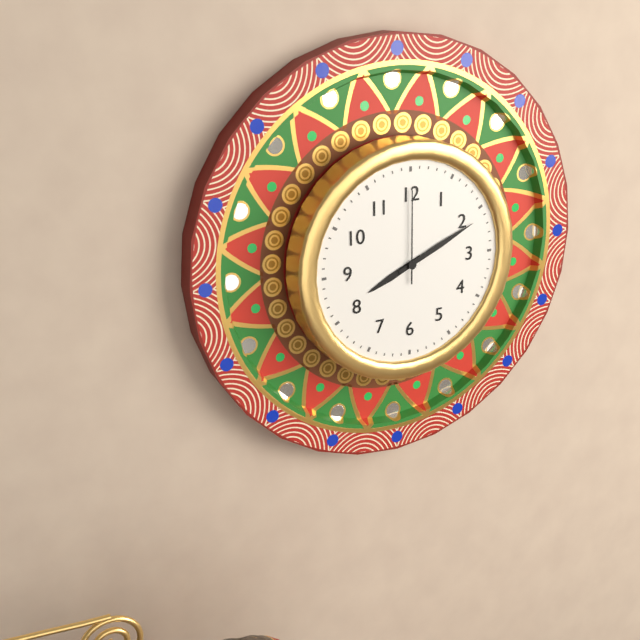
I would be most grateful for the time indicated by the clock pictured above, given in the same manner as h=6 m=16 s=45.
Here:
h=8 m=11 s=0
